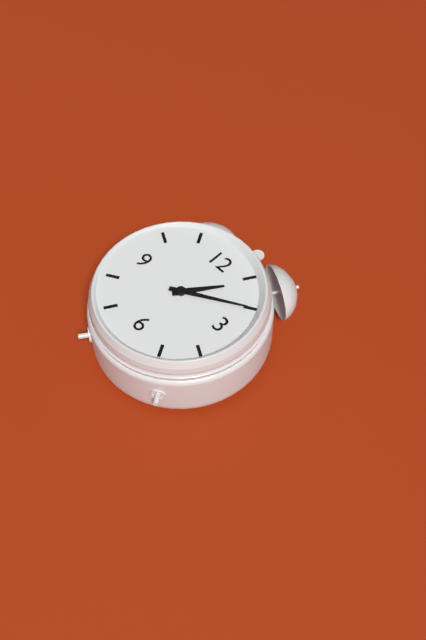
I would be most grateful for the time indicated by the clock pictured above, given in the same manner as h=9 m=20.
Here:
h=1 m=10
